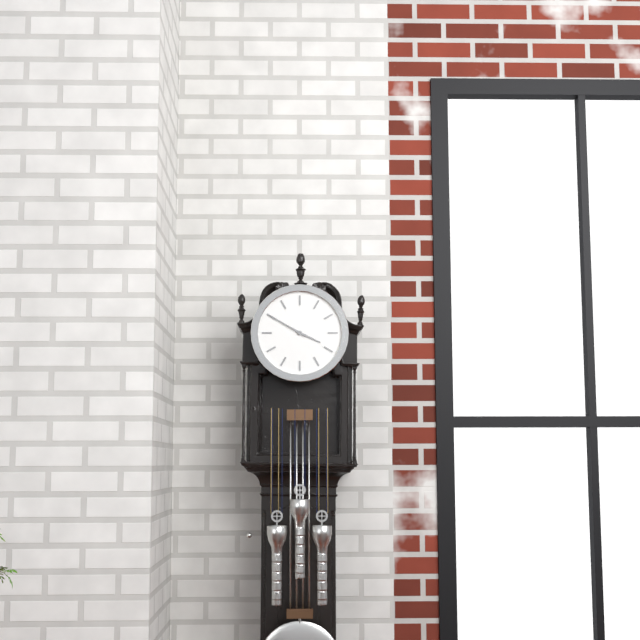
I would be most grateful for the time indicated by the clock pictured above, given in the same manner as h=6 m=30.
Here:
h=3 m=50
